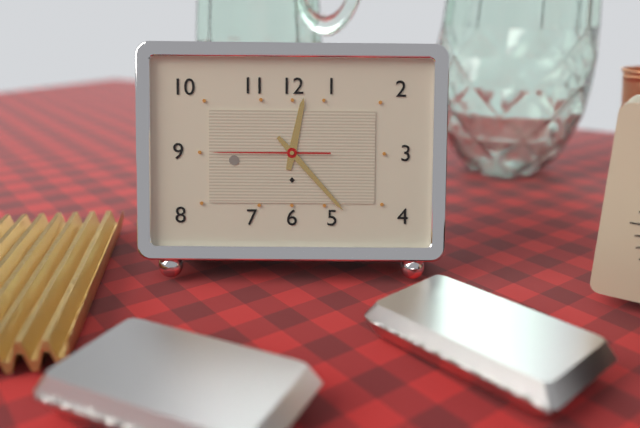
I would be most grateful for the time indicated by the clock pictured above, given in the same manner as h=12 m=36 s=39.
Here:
h=12 m=23 s=45
